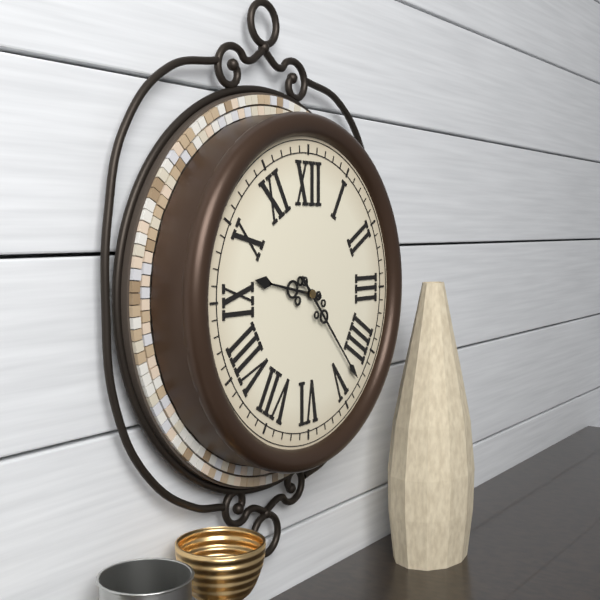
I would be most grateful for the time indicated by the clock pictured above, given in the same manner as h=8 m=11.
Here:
h=9 m=23
